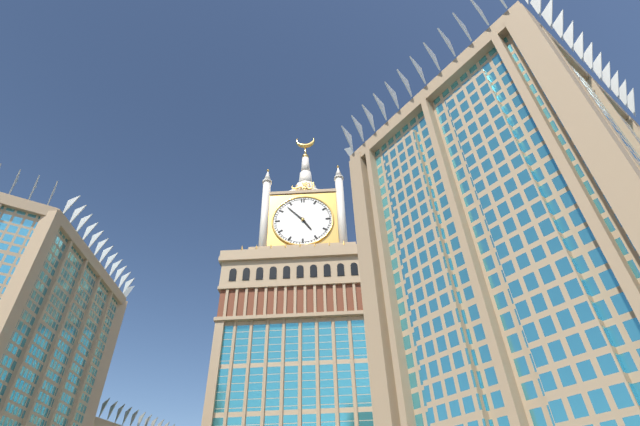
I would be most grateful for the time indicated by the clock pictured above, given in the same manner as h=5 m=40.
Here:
h=4 m=53
